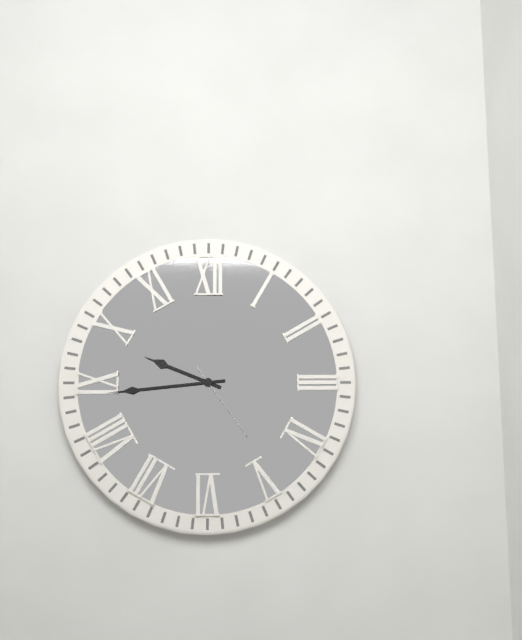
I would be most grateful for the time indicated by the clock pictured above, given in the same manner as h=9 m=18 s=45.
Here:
h=9 m=44 s=24
